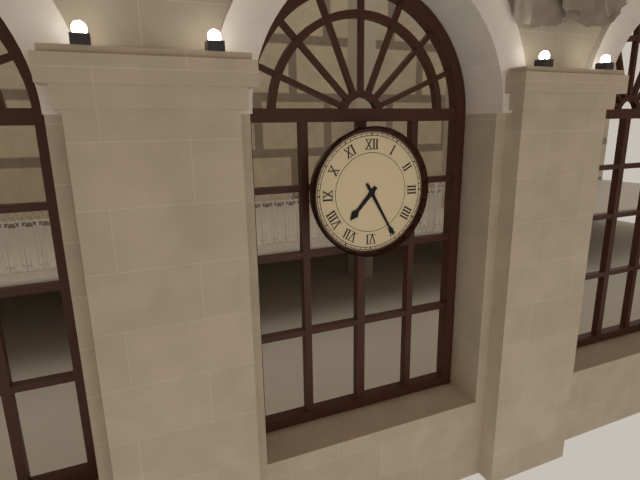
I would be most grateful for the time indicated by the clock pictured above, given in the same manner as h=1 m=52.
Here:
h=7 m=25
